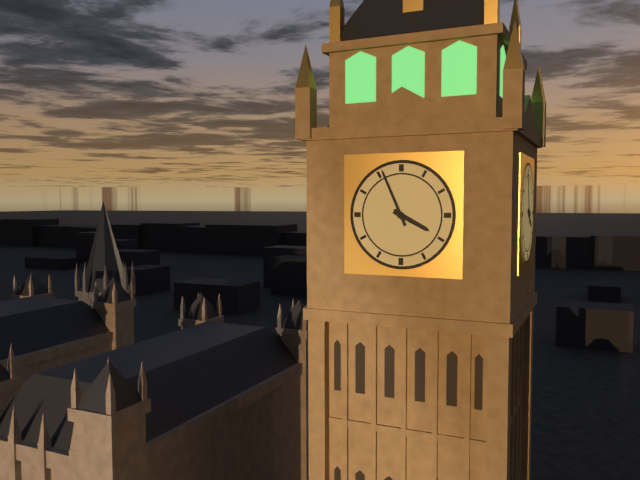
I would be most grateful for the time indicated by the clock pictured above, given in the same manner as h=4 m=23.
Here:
h=3 m=56
